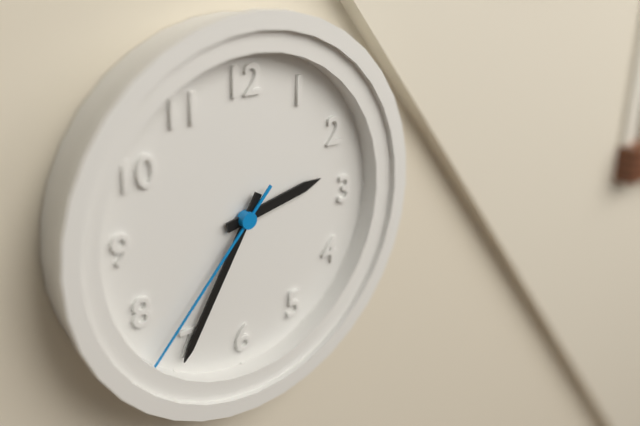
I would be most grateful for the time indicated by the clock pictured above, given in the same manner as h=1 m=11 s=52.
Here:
h=2 m=35 s=37
